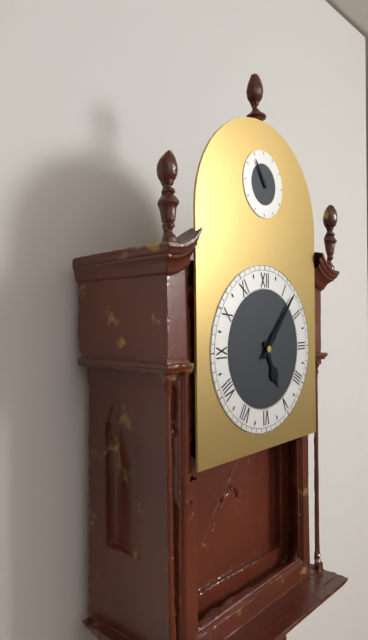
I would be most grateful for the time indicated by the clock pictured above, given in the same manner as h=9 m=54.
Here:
h=5 m=7
